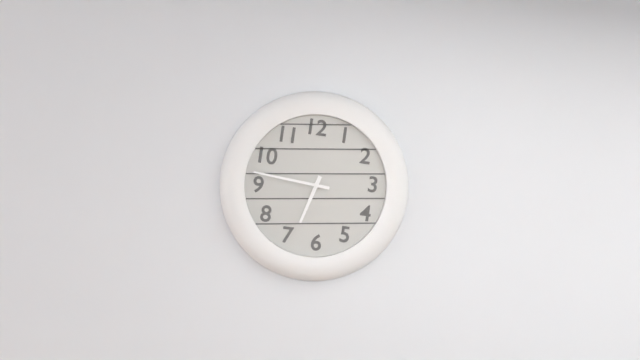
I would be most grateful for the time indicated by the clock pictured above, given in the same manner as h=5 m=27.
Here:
h=6 m=47
